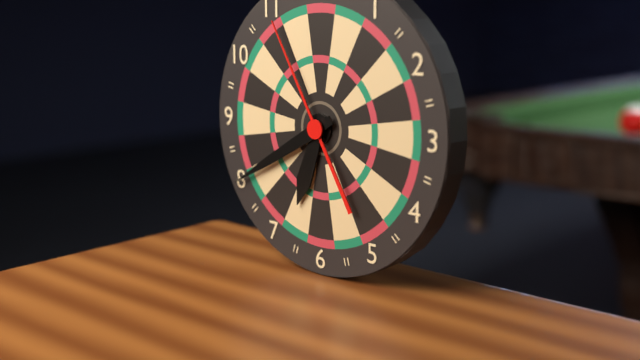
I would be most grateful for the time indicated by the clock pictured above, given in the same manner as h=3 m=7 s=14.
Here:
h=6 m=40 s=55
